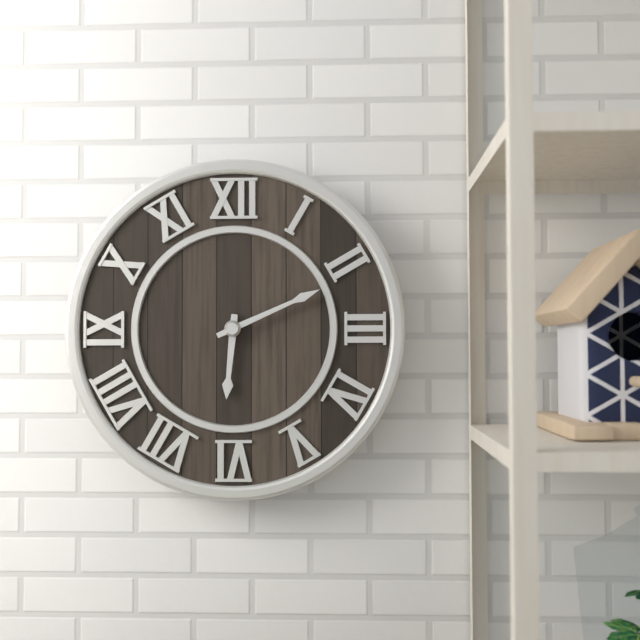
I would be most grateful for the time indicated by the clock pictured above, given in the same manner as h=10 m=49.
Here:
h=6 m=11
